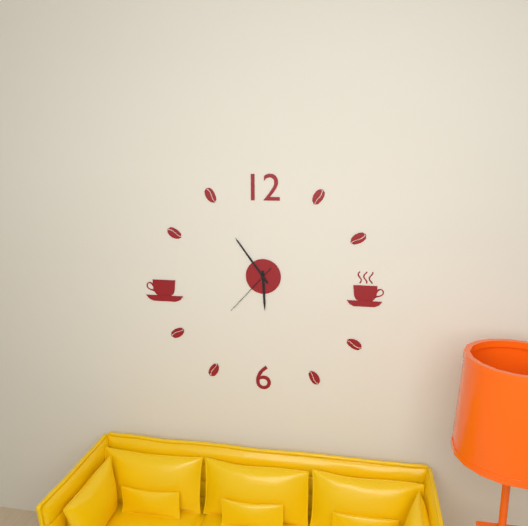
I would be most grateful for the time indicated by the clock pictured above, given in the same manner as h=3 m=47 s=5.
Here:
h=5 m=54 s=37
